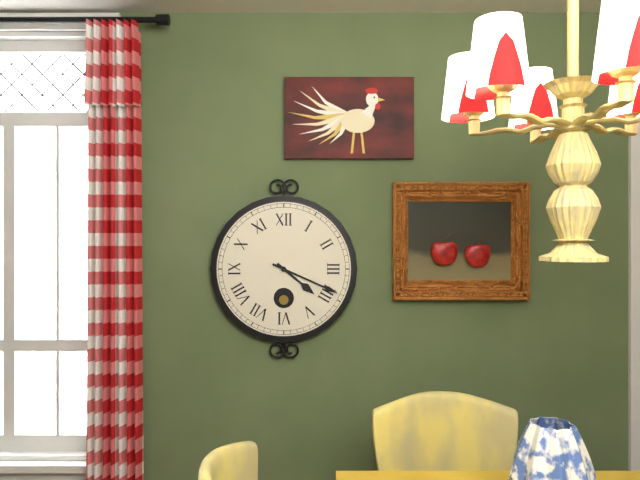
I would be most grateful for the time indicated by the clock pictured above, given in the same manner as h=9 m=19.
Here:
h=4 m=19
